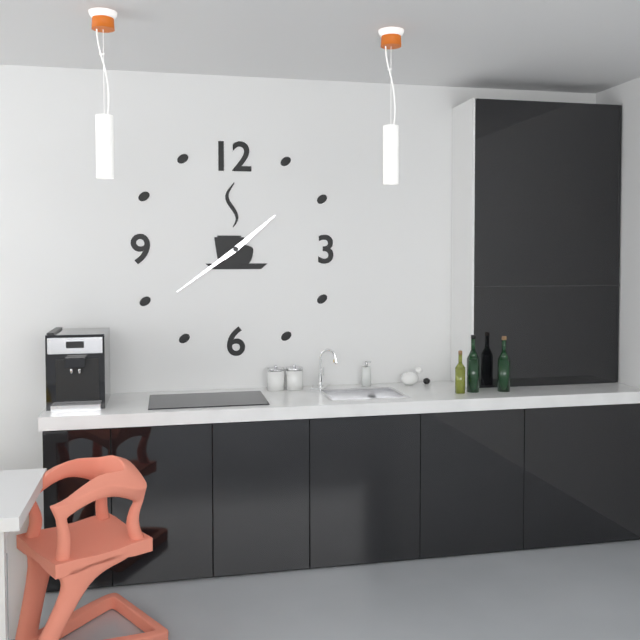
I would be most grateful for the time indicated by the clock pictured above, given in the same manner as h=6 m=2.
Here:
h=1 m=39
